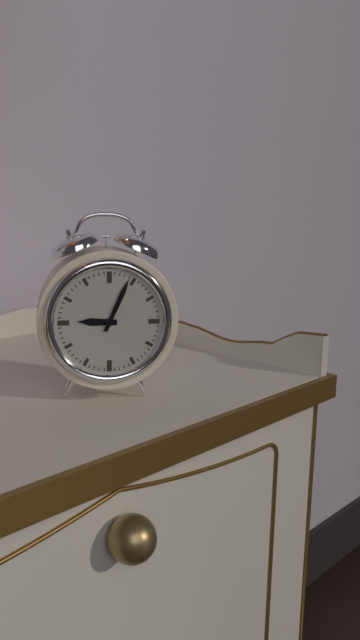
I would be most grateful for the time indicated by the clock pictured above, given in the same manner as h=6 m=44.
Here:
h=9 m=4
